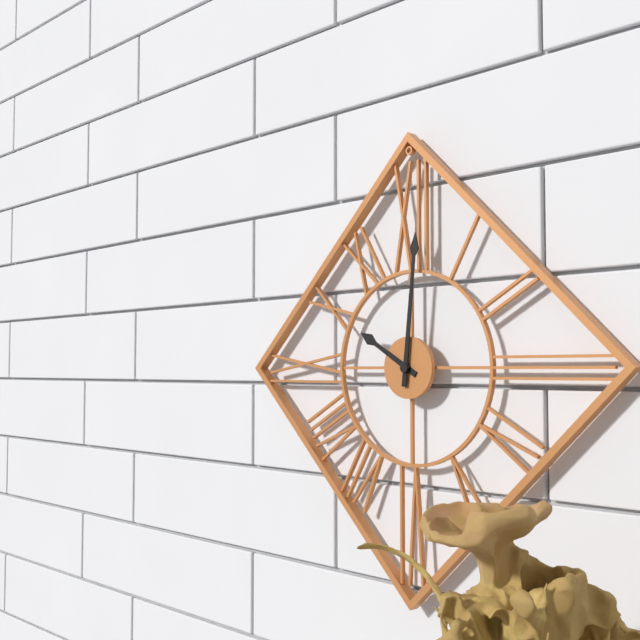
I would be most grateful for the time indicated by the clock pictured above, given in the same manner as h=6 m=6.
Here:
h=10 m=1
